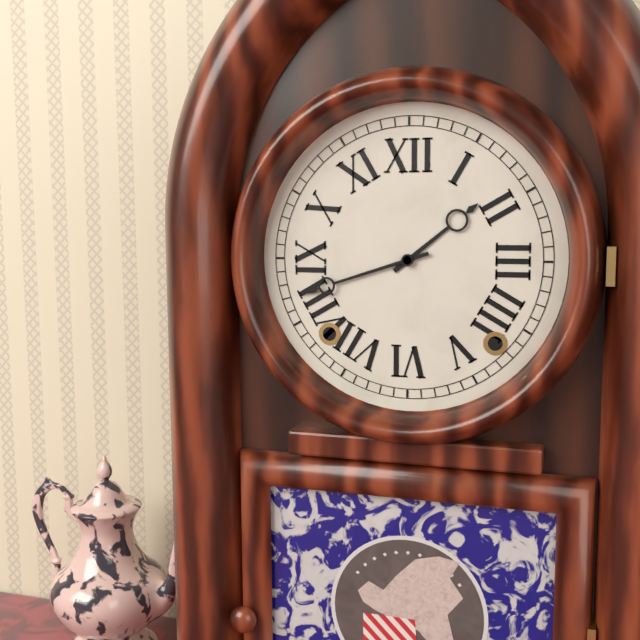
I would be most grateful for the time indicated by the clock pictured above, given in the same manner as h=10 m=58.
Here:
h=1 m=42
